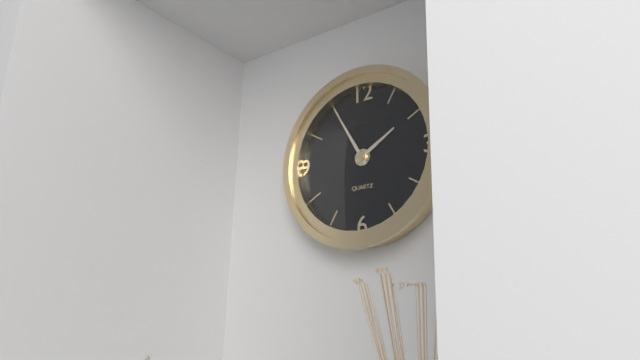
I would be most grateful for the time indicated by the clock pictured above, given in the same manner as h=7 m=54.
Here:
h=1 m=55
